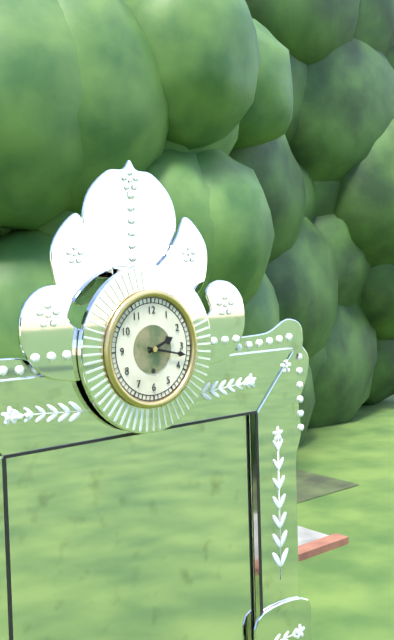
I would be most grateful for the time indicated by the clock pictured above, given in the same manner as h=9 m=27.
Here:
h=2 m=17
